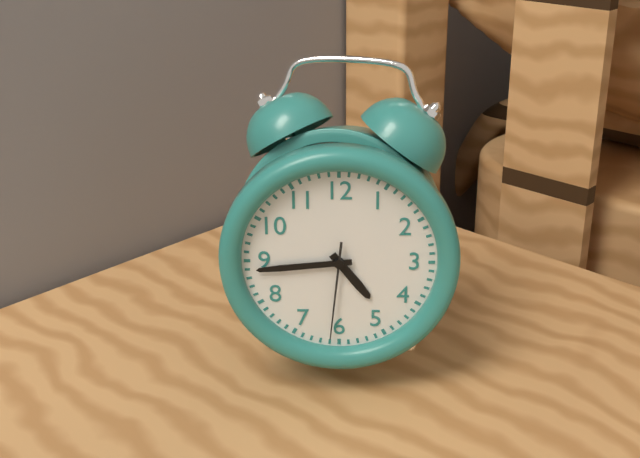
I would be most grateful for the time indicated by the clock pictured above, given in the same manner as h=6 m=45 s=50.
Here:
h=4 m=44 s=31
